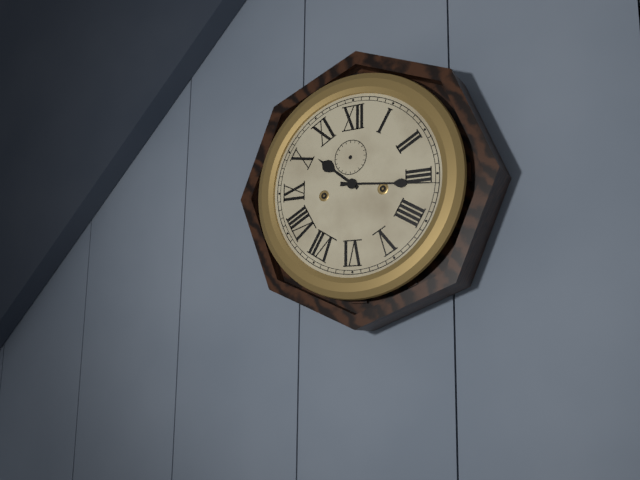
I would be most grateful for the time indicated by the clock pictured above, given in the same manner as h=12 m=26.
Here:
h=10 m=16
